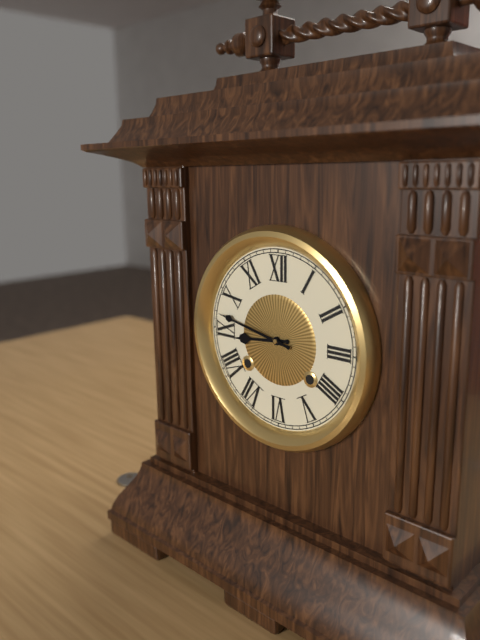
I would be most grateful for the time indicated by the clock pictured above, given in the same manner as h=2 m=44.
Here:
h=8 m=47
